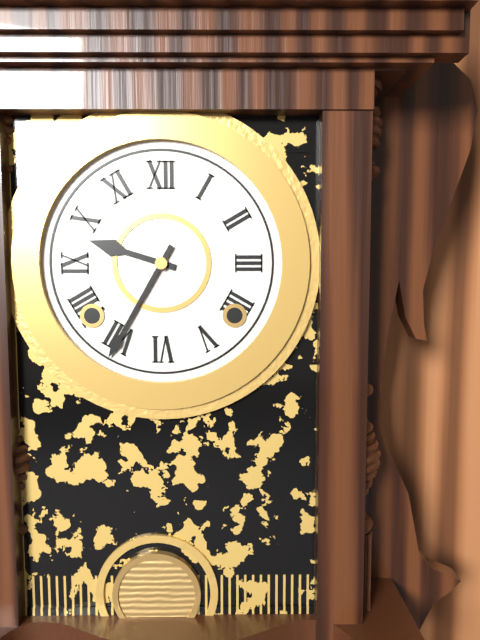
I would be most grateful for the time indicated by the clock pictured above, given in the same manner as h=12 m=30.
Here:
h=9 m=35
